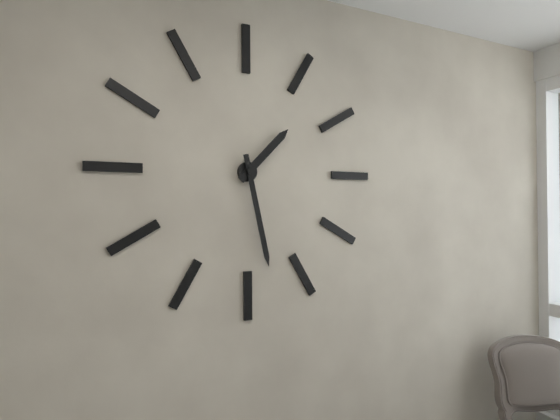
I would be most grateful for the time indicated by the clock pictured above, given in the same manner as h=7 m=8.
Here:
h=1 m=28
